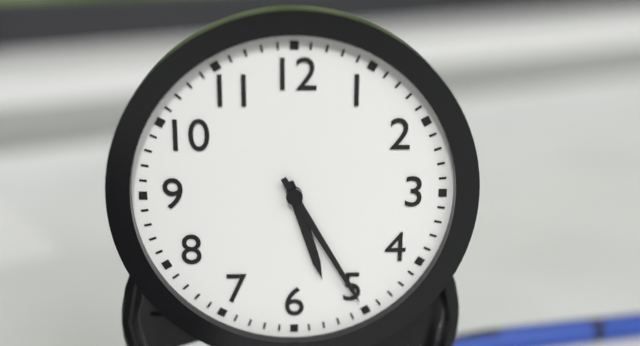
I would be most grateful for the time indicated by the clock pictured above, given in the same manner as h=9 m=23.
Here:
h=5 m=25
